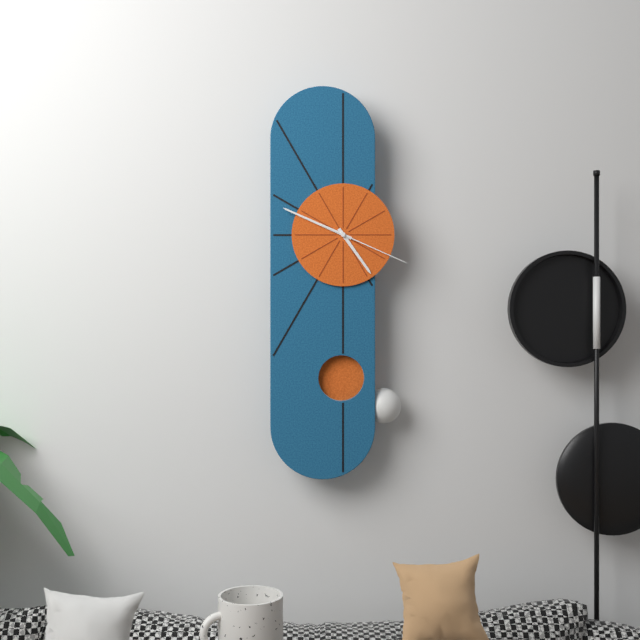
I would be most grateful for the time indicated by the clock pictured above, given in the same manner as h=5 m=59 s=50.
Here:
h=4 m=49 s=19
